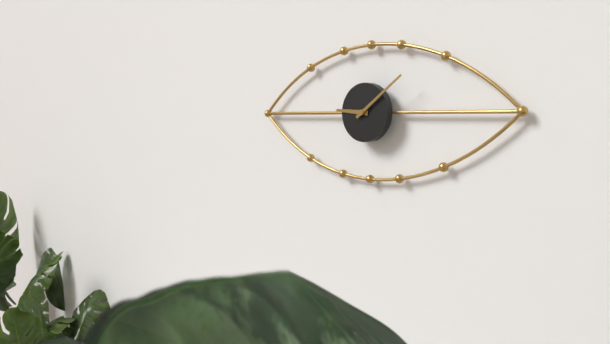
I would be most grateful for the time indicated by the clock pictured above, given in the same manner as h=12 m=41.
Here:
h=9 m=9
